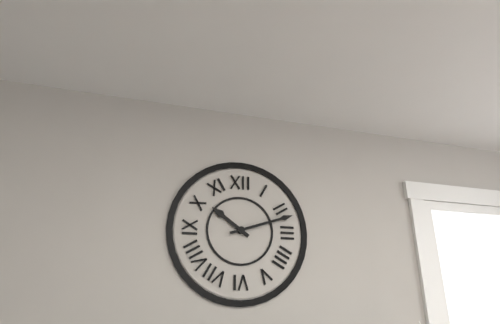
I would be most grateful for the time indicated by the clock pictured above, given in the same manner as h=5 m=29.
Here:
h=10 m=12
